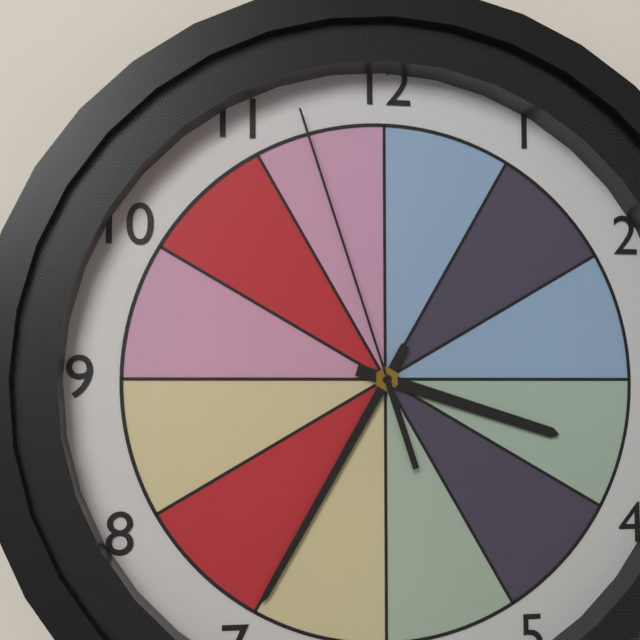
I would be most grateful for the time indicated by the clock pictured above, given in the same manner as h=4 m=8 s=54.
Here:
h=3 m=35 s=57
